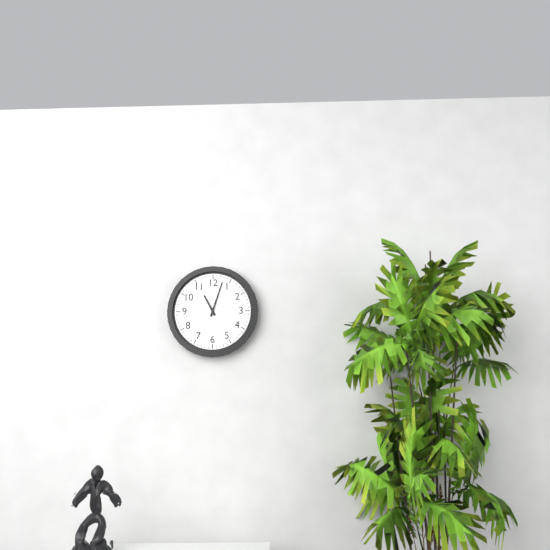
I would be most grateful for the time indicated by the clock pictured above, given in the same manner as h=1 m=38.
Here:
h=11 m=3
